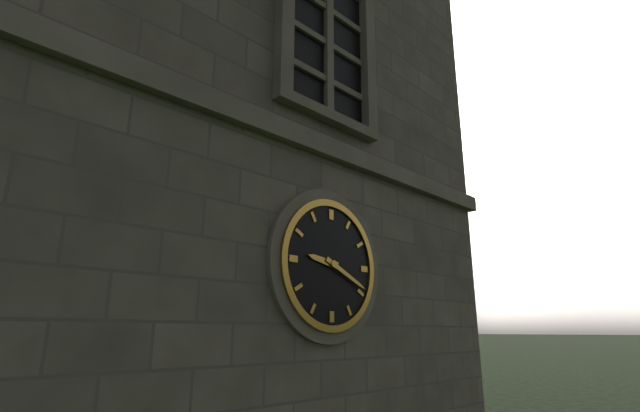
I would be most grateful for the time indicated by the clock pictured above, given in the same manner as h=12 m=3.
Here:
h=9 m=19
